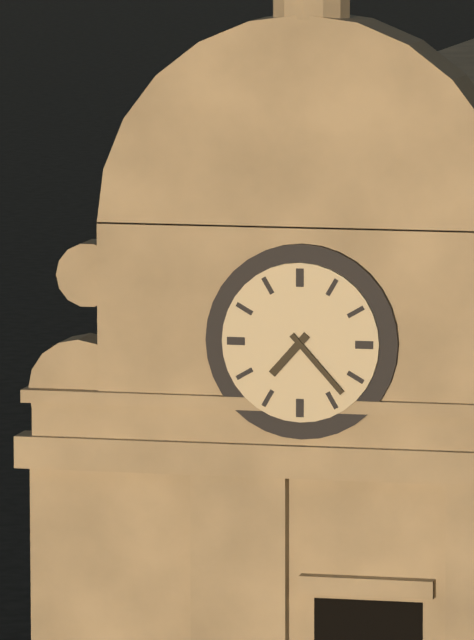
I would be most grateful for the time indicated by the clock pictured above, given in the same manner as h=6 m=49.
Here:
h=7 m=23
